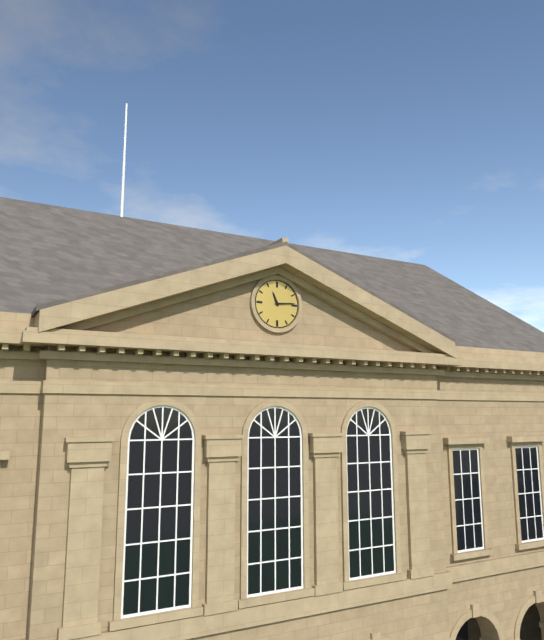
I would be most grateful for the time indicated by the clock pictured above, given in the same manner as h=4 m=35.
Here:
h=11 m=14
